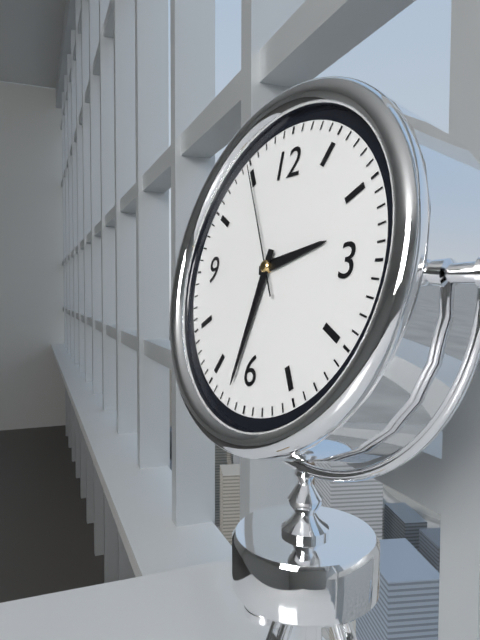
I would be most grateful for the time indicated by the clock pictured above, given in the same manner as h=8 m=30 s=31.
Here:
h=2 m=32 s=55
